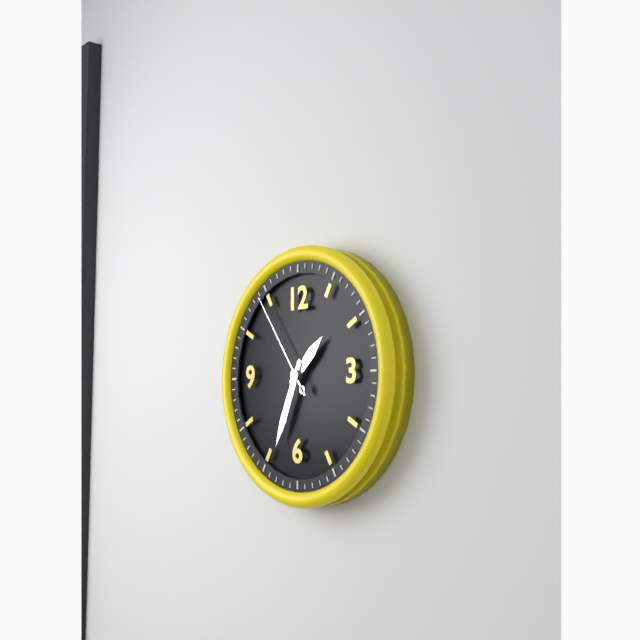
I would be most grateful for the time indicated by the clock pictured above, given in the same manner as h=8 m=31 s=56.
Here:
h=1 m=34 s=54
